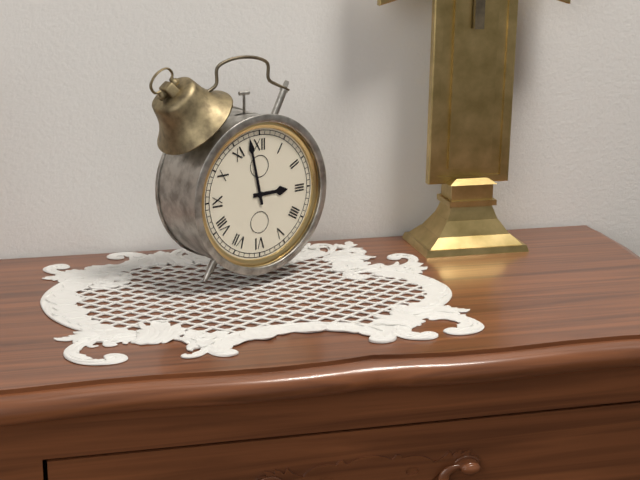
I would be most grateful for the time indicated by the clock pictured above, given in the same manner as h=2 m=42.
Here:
h=2 m=58
